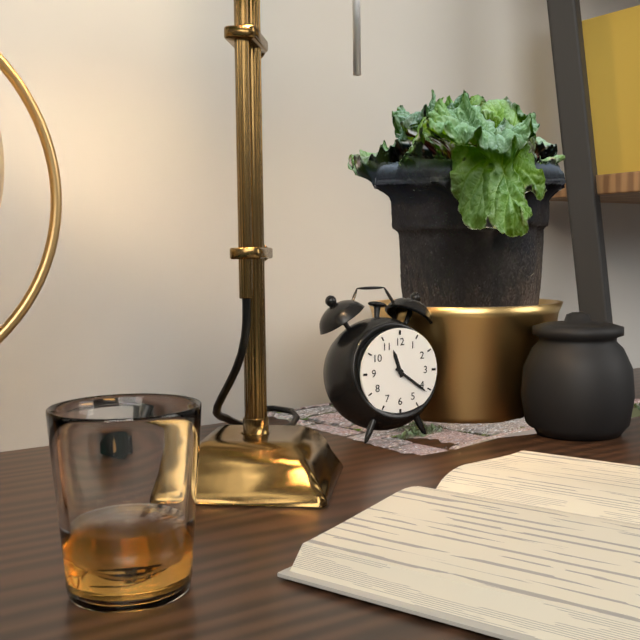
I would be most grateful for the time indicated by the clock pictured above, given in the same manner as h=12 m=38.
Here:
h=11 m=21
